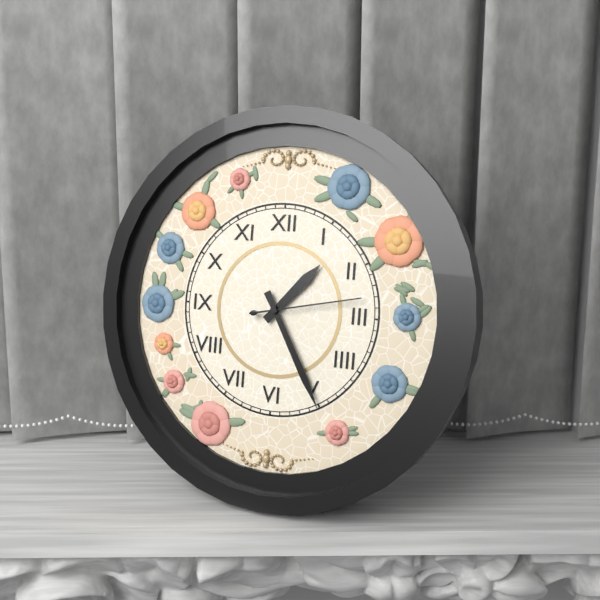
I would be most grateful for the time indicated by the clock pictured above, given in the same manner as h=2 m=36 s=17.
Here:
h=1 m=25 s=13
